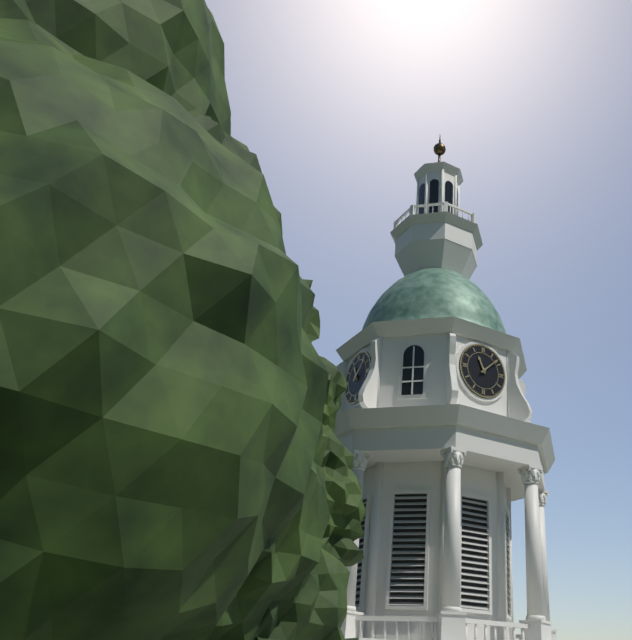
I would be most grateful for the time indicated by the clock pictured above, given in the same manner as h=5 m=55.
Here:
h=11 m=8
